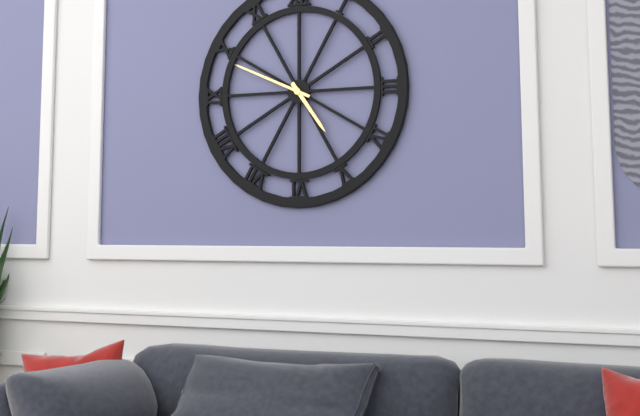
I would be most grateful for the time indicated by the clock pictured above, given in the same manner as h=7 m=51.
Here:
h=4 m=49
